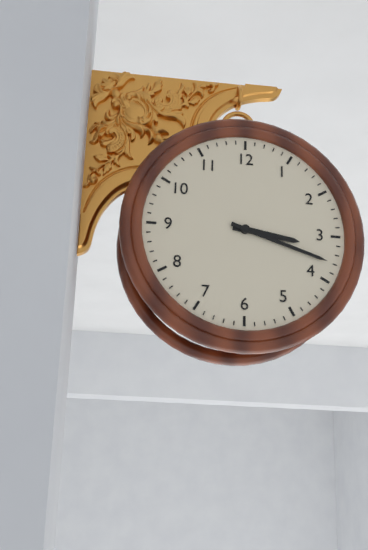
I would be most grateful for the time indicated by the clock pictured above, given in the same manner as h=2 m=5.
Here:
h=3 m=18
